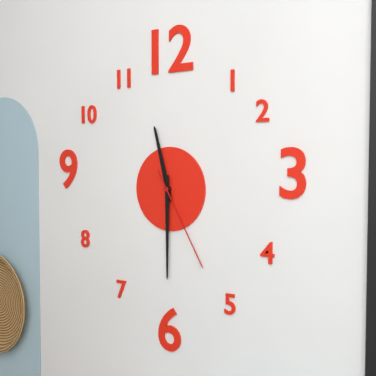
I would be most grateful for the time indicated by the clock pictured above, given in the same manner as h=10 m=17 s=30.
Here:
h=11 m=30 s=25
